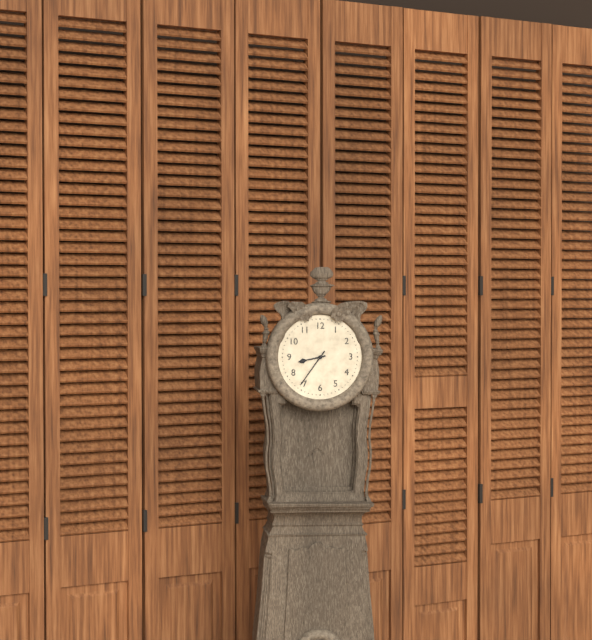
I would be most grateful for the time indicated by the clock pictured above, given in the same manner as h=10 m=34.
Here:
h=8 m=36
